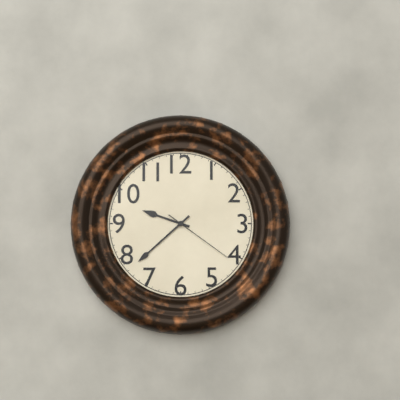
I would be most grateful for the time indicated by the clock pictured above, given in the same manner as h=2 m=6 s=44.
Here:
h=9 m=38 s=21
